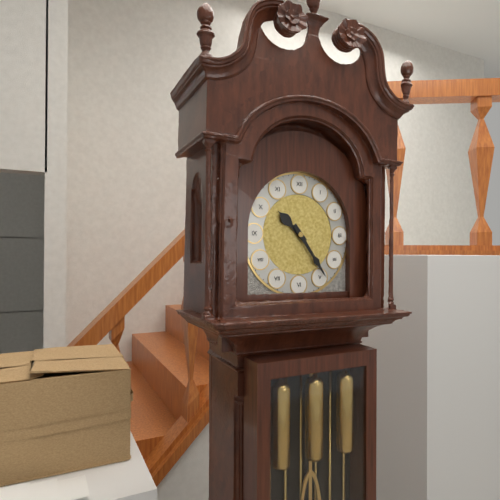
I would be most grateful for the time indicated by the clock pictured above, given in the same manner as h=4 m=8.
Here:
h=10 m=24
